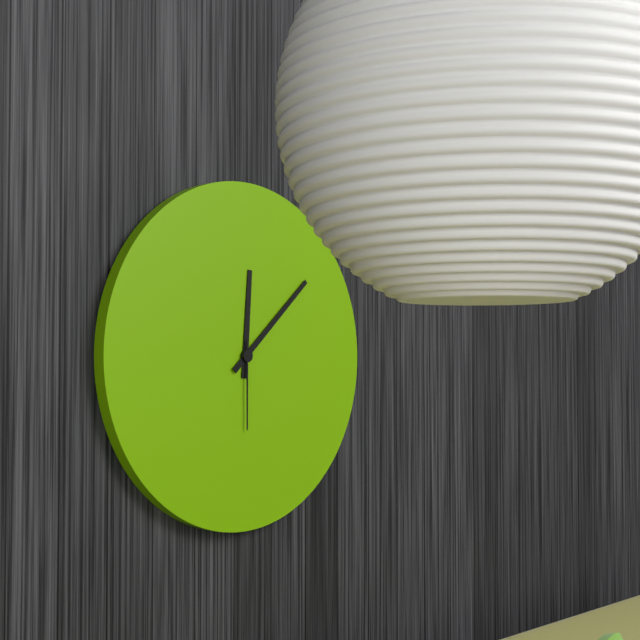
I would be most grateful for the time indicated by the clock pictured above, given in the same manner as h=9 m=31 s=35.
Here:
h=12 m=8 s=30
